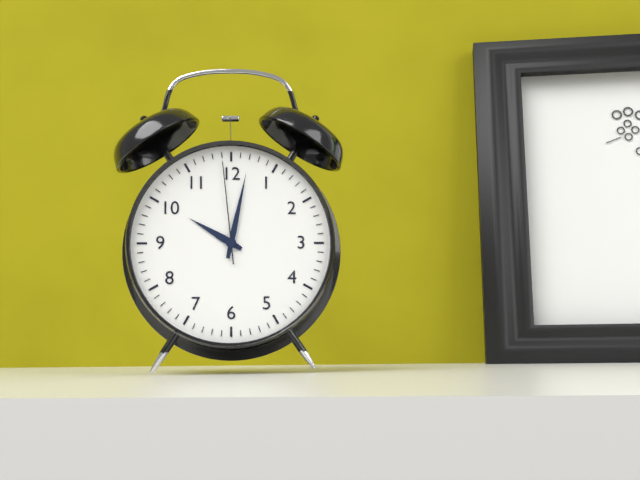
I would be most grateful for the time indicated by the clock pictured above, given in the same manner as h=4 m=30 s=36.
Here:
h=10 m=2 s=59
